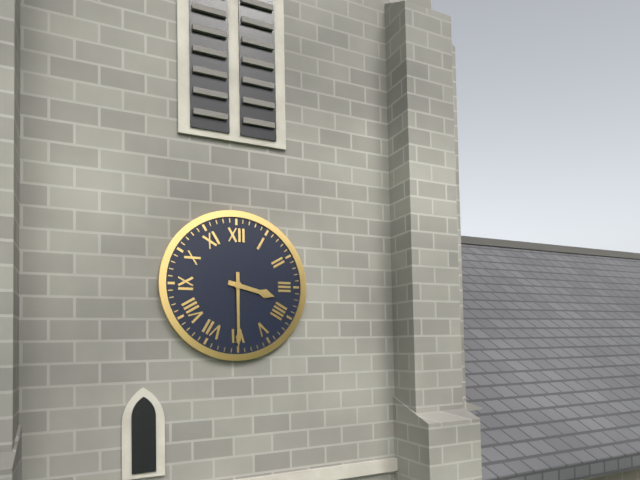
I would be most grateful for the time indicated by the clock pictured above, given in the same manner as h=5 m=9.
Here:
h=3 m=30
